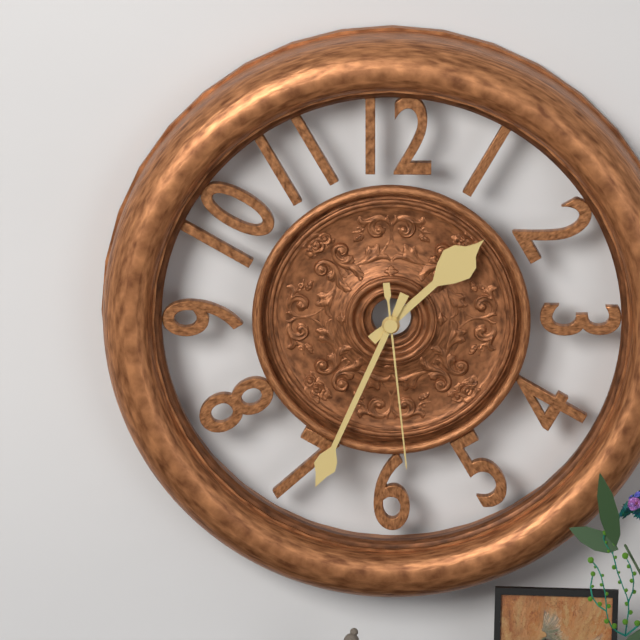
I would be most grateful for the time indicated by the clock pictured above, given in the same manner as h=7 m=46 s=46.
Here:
h=1 m=34 s=29
